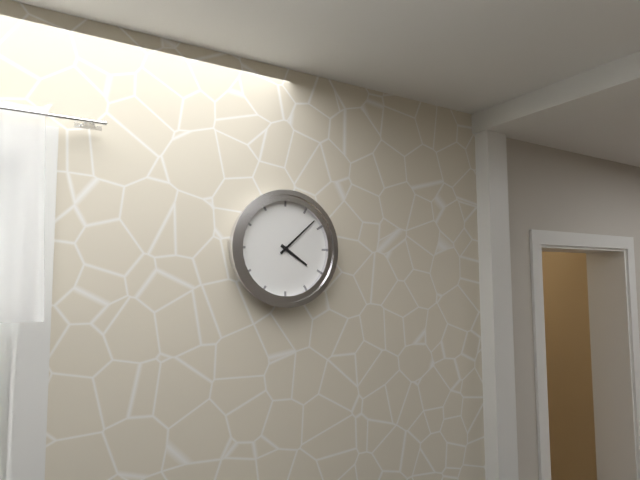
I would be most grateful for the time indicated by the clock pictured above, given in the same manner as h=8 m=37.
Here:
h=4 m=8
